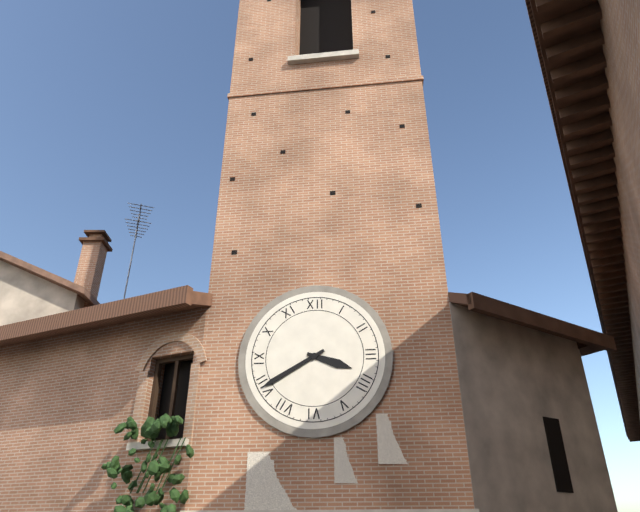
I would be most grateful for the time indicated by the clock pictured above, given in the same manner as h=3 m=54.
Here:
h=3 m=40
